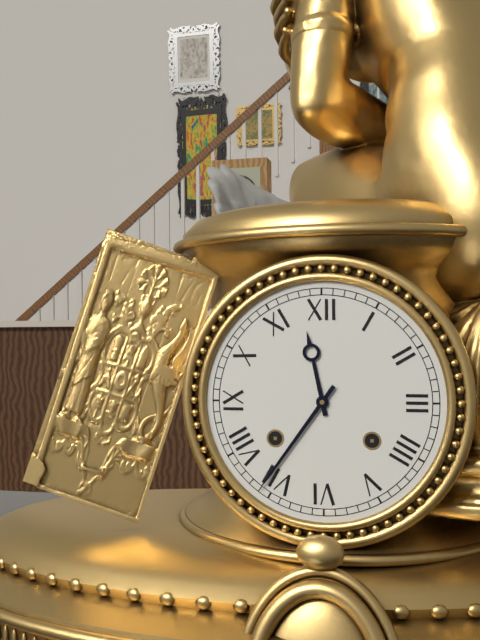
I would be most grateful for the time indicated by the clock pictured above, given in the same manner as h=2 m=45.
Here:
h=11 m=36
